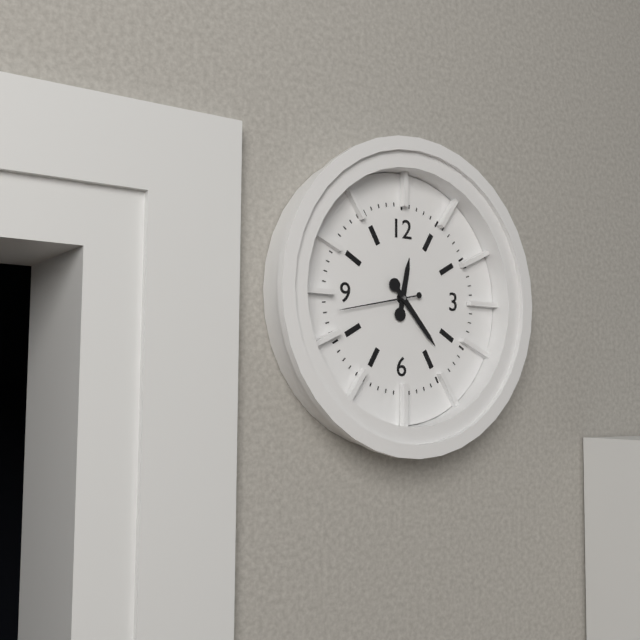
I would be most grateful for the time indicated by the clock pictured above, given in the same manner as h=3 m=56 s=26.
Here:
h=12 m=23 s=43
